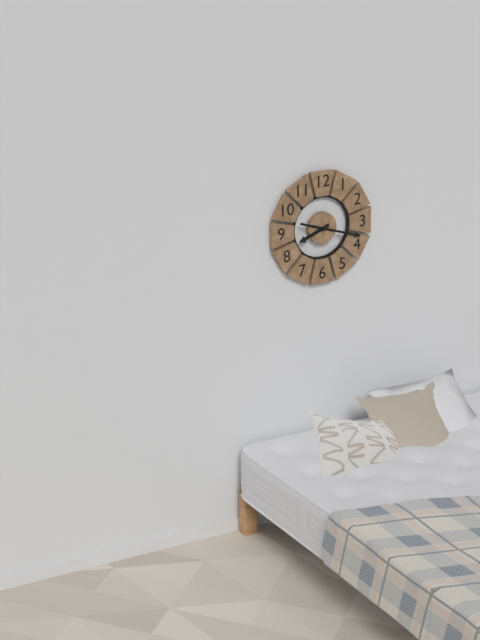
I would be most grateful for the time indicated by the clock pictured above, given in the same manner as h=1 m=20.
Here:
h=8 m=18
